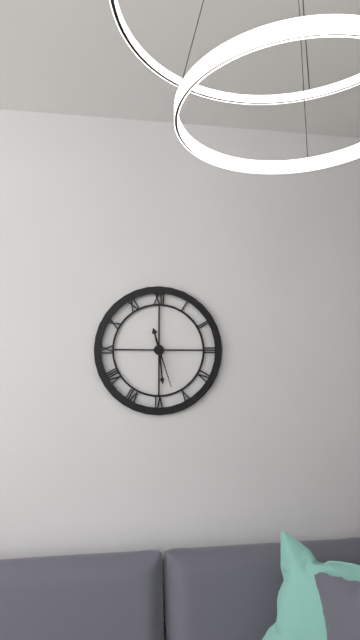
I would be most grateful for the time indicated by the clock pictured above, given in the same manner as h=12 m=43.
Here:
h=11 m=29
